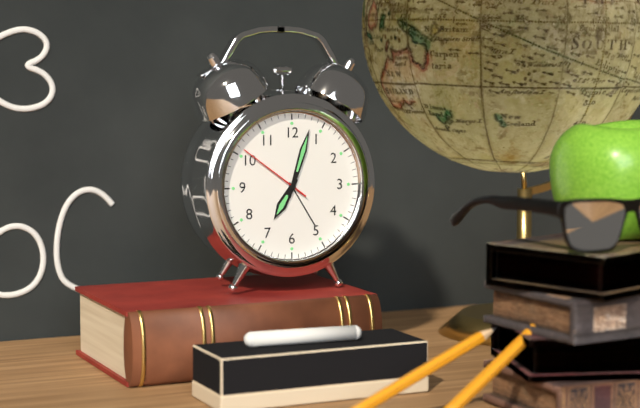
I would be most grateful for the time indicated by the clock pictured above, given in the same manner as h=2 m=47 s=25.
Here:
h=7 m=3 s=51
